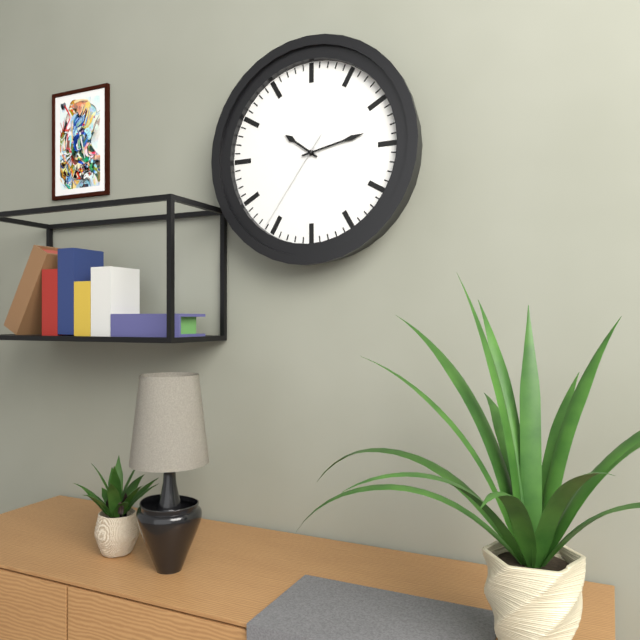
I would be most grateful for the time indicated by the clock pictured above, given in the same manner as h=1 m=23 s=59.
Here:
h=10 m=13 s=36
